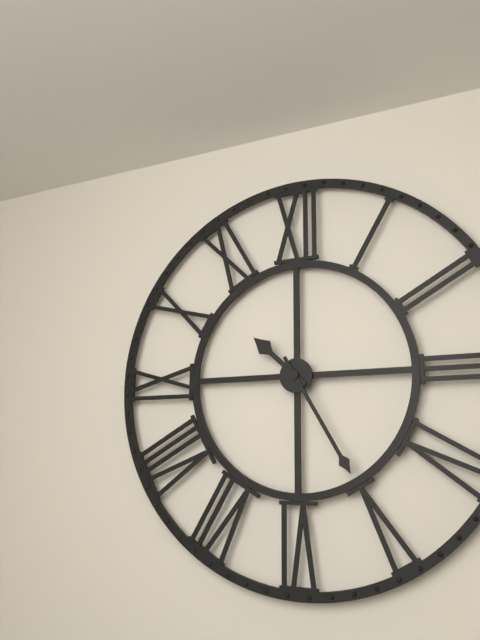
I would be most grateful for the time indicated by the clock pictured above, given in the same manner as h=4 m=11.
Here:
h=10 m=25
